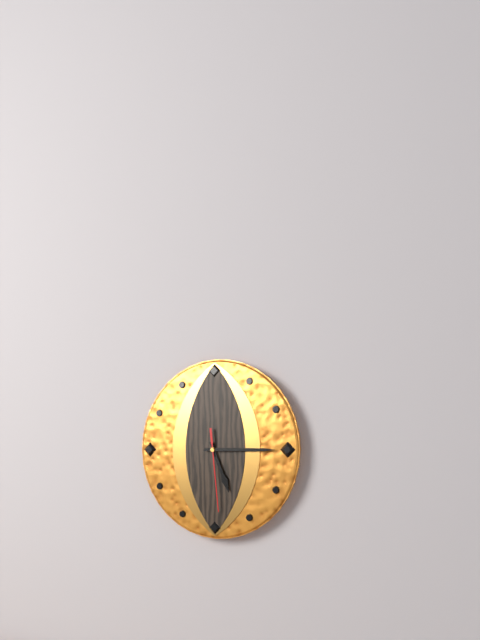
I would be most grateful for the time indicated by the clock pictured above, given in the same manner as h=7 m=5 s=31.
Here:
h=5 m=15 s=29
